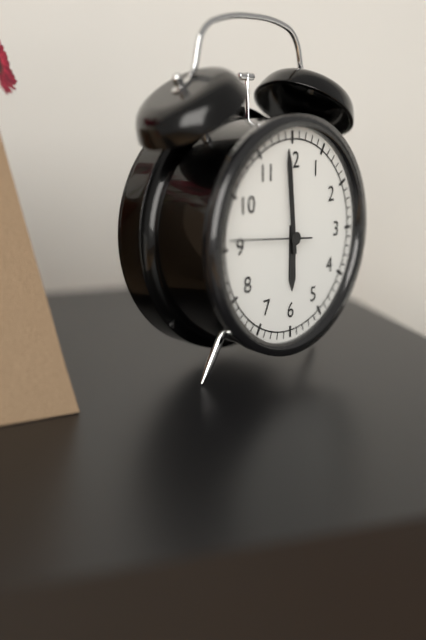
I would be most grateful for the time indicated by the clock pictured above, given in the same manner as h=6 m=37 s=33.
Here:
h=5 m=59 s=46
